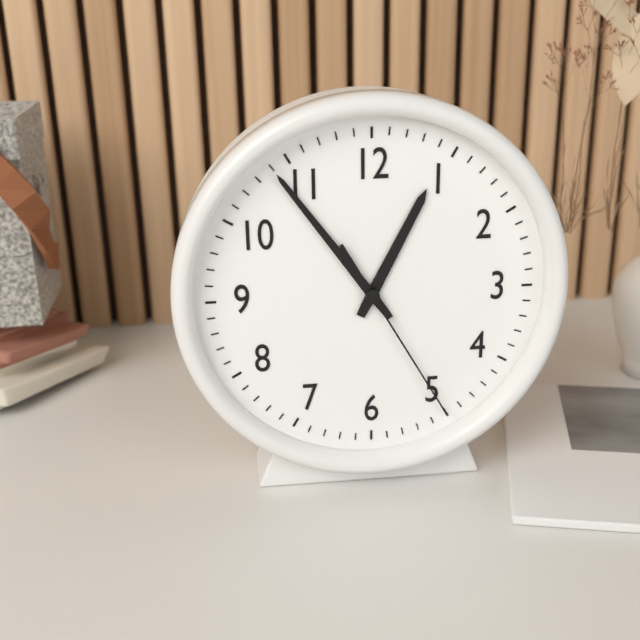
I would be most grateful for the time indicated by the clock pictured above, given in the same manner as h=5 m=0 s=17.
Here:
h=12 m=54 s=25
